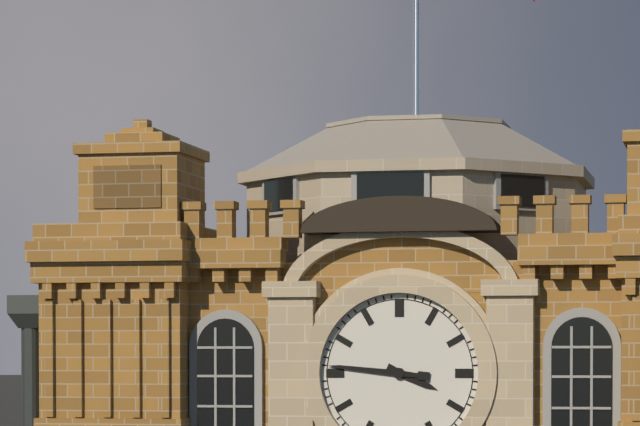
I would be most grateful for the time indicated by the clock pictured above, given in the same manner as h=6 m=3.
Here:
h=3 m=46
